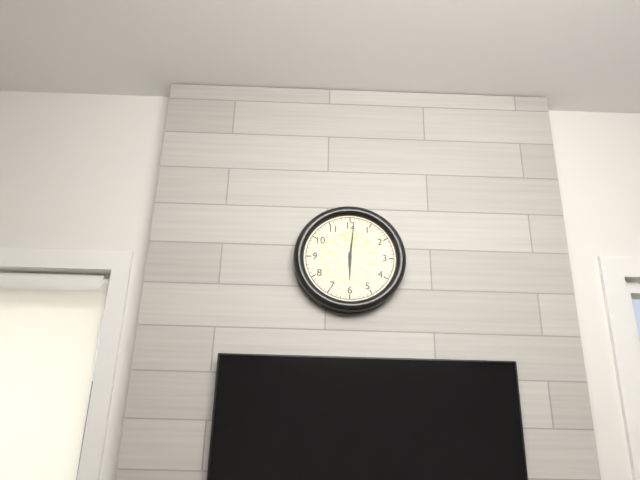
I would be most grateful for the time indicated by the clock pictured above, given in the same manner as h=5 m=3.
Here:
h=6 m=1
